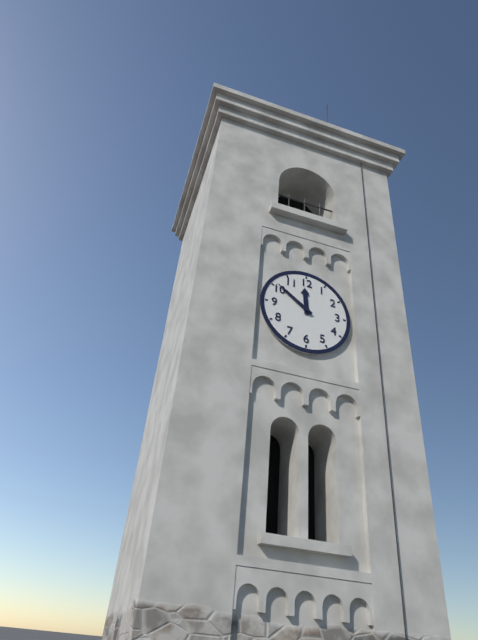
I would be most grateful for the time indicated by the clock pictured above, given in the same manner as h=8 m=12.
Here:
h=11 m=51
